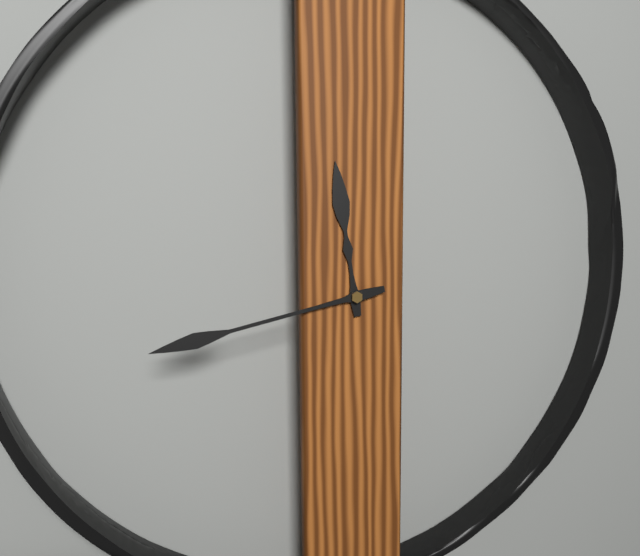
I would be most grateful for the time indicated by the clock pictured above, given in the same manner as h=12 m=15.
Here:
h=11 m=43
